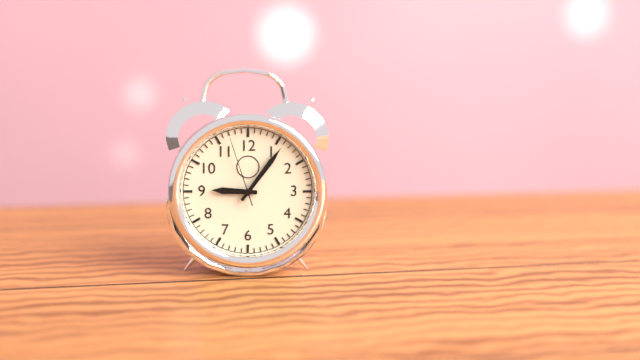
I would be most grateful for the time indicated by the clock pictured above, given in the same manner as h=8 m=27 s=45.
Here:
h=9 m=6 s=57
